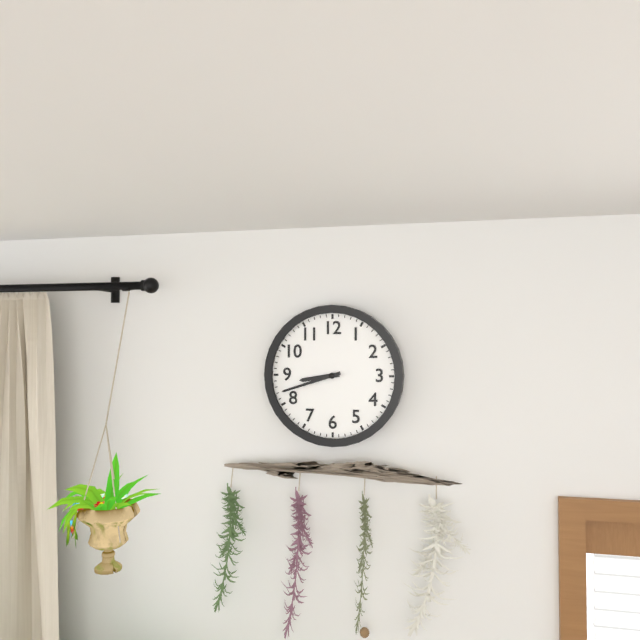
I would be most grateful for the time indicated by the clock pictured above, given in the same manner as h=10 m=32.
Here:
h=8 m=42
